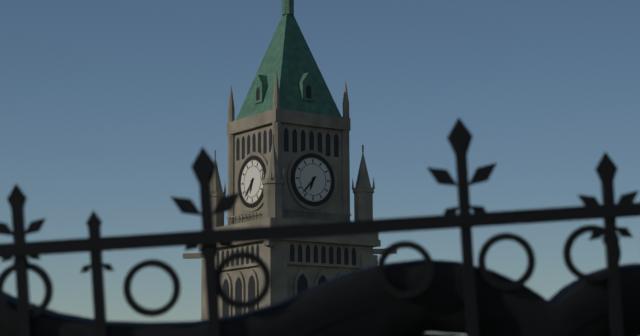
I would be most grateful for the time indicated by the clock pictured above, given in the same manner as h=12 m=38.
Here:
h=6 m=37
